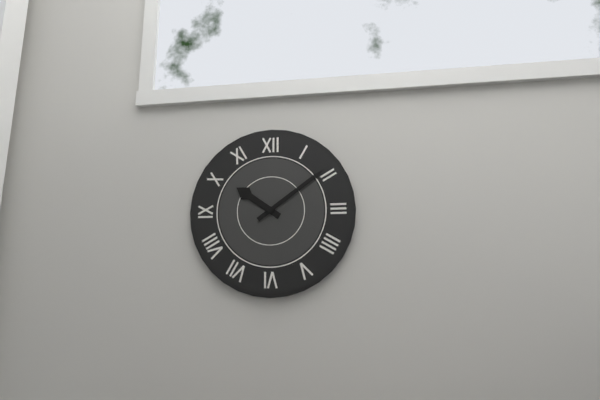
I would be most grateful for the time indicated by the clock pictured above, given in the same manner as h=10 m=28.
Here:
h=10 m=9
